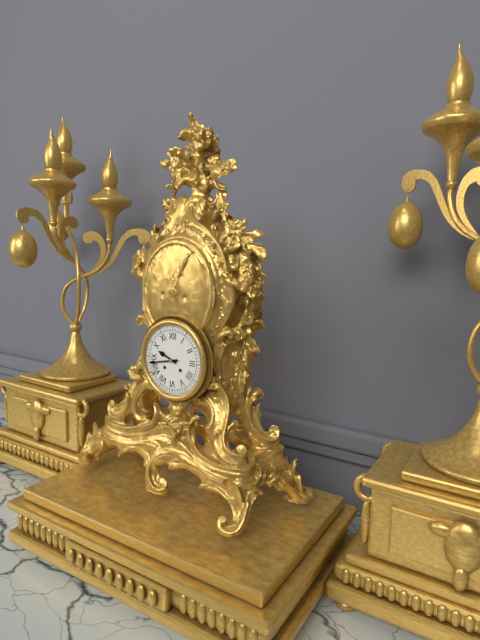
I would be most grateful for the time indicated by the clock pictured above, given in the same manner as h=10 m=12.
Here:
h=9 m=43
